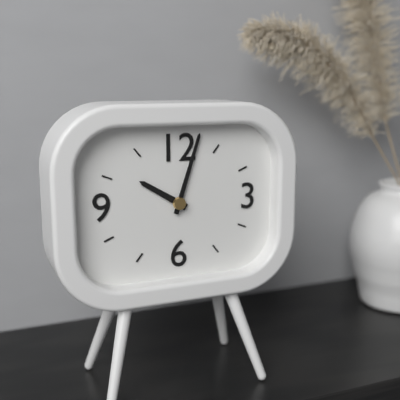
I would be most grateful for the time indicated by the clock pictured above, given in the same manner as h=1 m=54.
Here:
h=10 m=3
